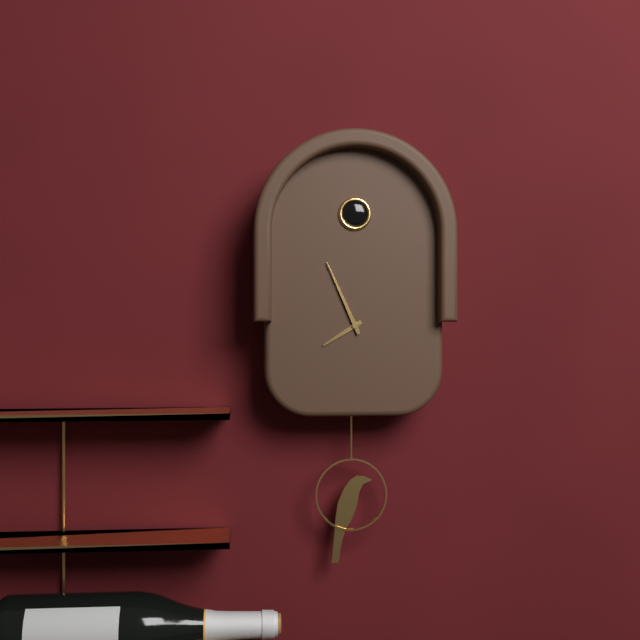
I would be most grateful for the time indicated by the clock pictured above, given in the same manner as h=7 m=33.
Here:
h=7 m=56
